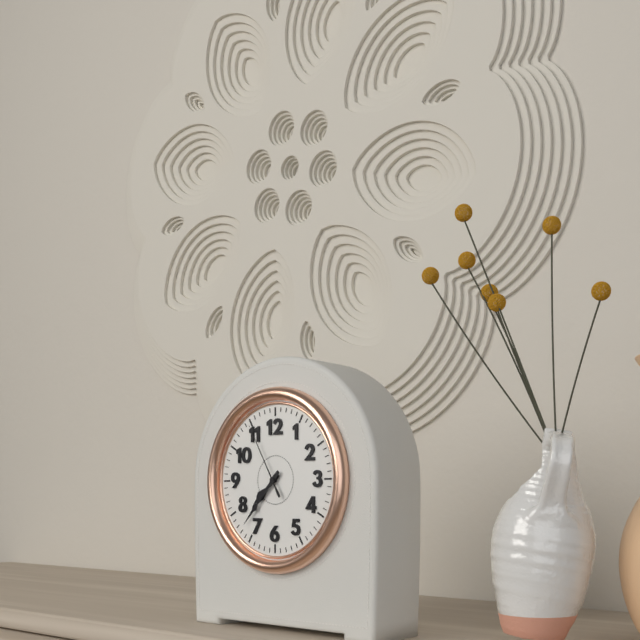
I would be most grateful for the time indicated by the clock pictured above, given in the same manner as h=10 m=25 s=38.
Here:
h=7 m=37 s=55
